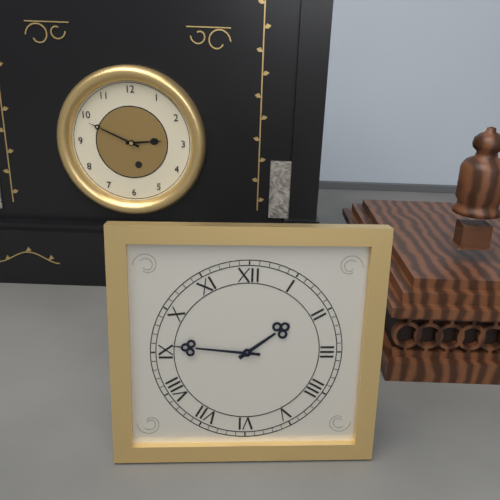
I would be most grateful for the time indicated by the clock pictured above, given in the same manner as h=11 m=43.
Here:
h=1 m=46
